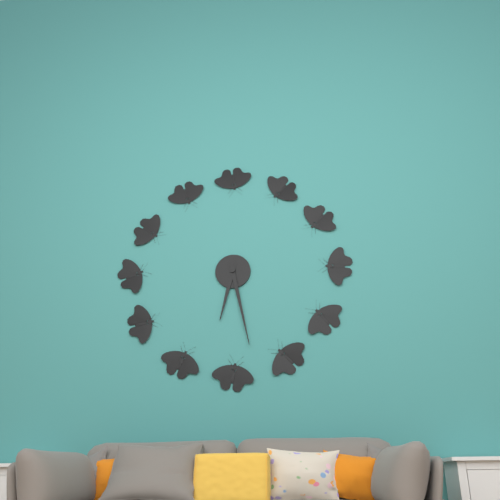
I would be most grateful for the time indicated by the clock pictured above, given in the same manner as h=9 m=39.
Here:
h=6 m=28
